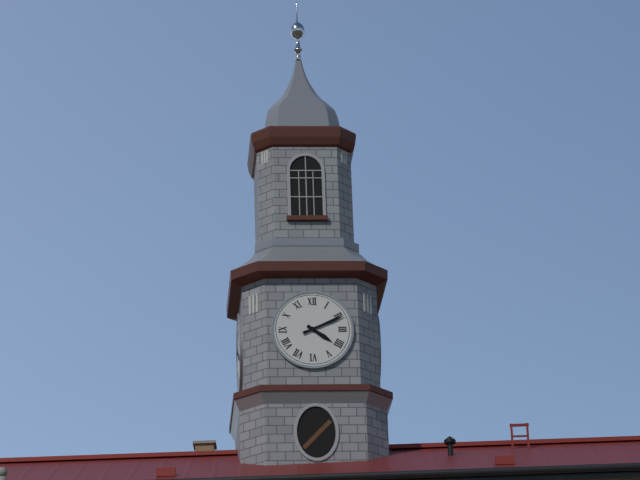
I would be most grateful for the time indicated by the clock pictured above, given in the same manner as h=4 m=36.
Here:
h=4 m=11
